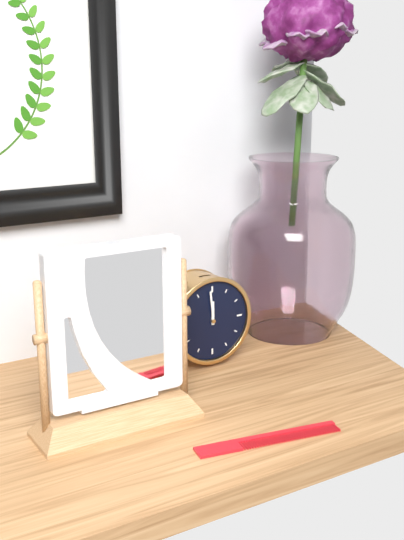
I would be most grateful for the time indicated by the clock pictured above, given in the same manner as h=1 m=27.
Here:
h=11 m=59
